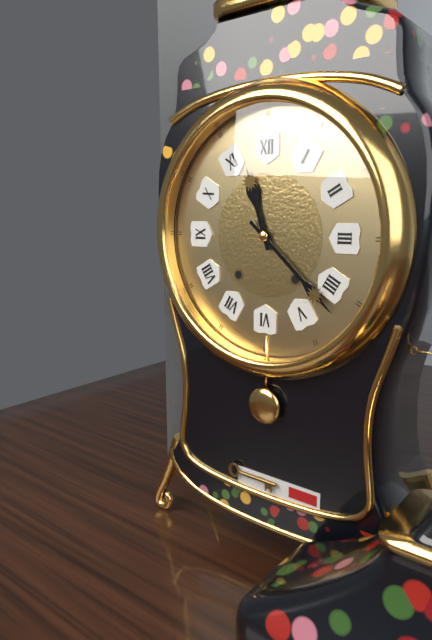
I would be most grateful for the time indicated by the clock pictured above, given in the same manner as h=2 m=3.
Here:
h=11 m=22
